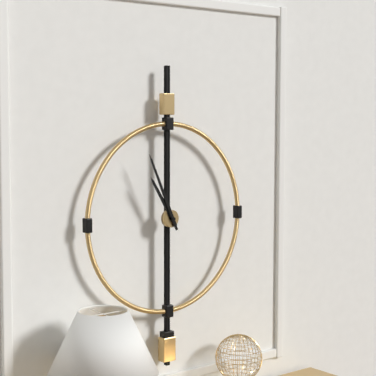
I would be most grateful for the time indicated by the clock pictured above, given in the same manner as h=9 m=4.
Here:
h=10 m=56
